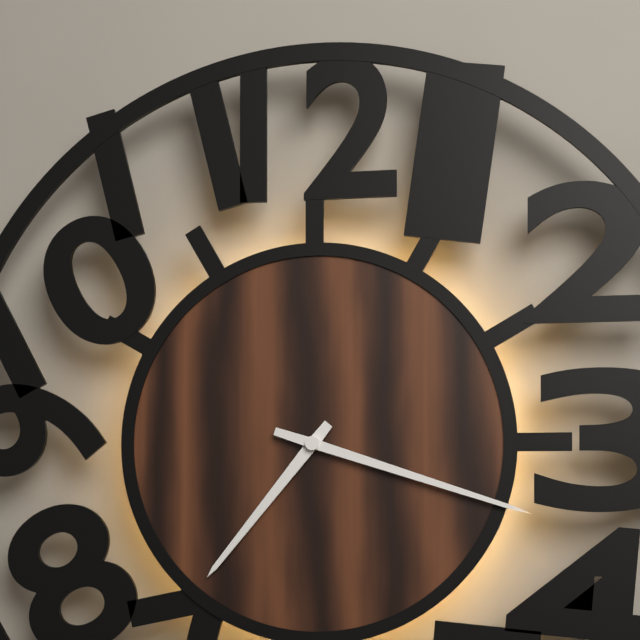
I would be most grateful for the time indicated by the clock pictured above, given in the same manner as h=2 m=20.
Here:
h=7 m=18
